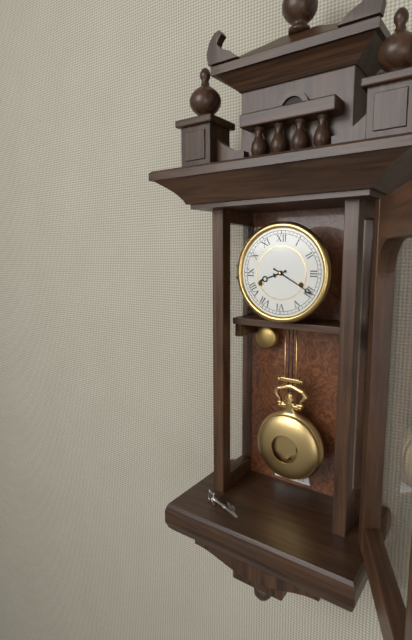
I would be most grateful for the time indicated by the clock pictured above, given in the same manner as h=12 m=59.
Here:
h=8 m=20
